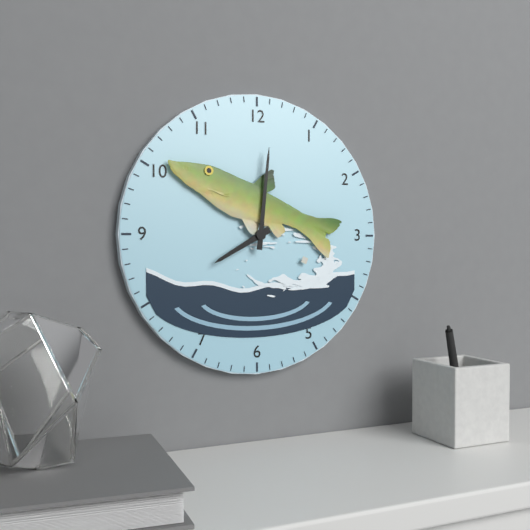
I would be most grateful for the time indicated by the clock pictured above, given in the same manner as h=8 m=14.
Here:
h=8 m=1
